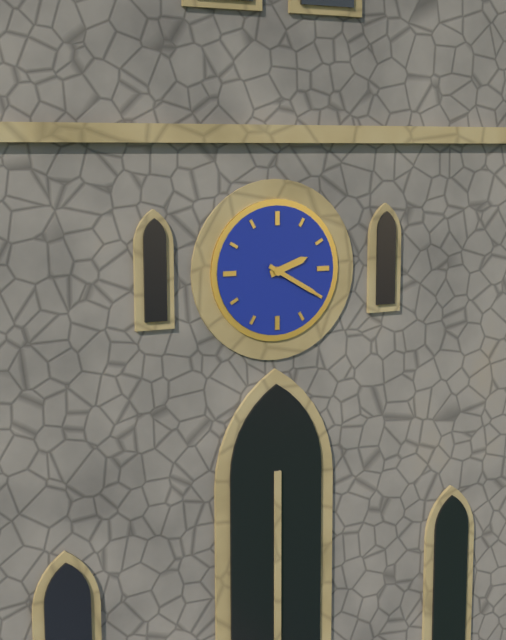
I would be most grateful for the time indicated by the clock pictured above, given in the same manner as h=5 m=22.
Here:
h=2 m=20
